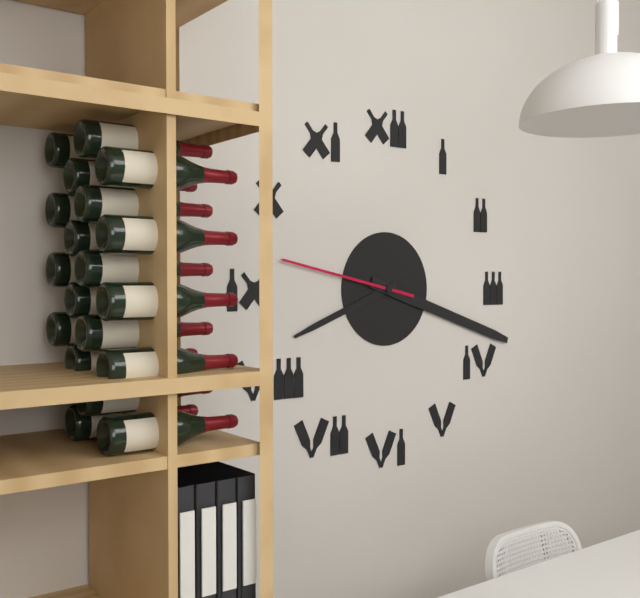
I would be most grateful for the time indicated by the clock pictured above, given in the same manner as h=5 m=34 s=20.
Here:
h=8 m=18 s=47
